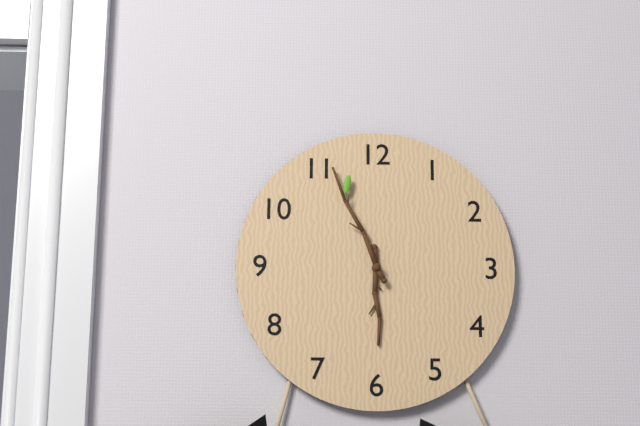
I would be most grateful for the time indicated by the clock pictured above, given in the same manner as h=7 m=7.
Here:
h=5 m=56
